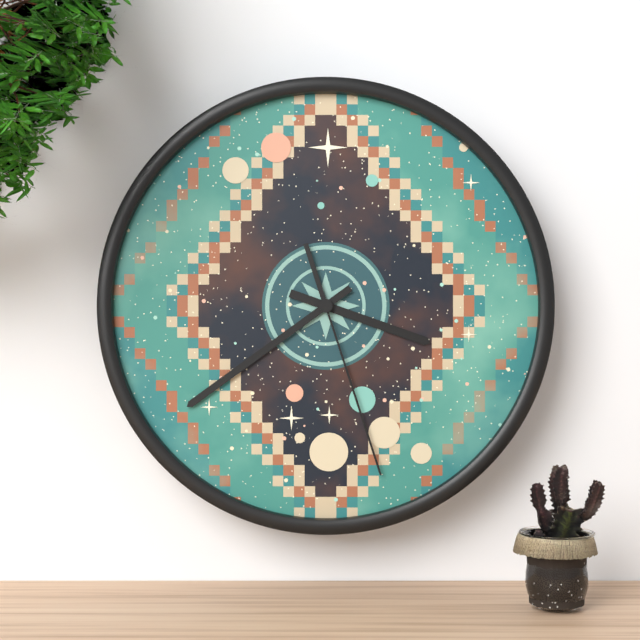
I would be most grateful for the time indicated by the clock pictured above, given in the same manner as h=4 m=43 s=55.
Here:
h=3 m=39 s=27
